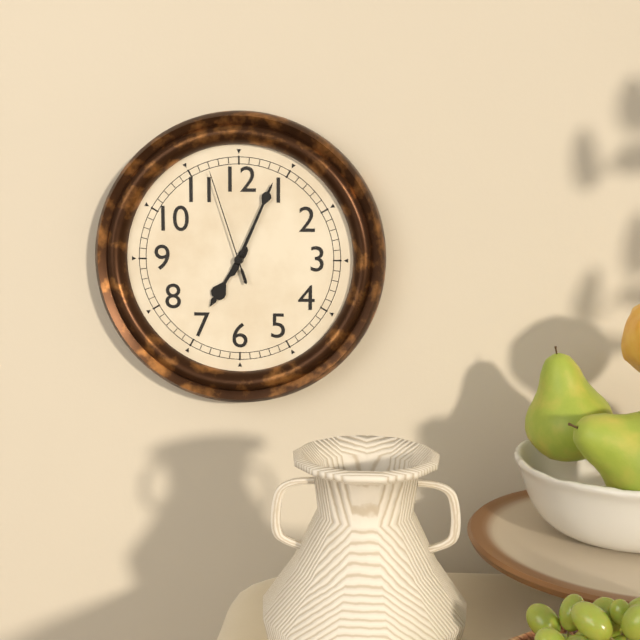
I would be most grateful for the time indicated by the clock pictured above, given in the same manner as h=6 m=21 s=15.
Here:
h=7 m=4 s=57
